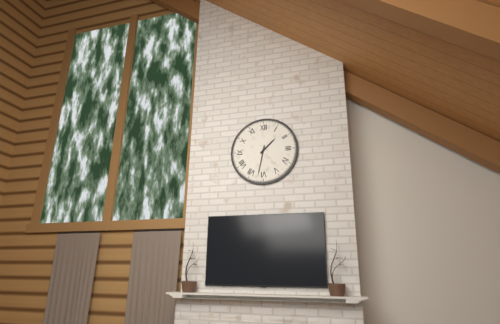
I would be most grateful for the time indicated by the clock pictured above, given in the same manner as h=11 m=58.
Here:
h=1 m=32
